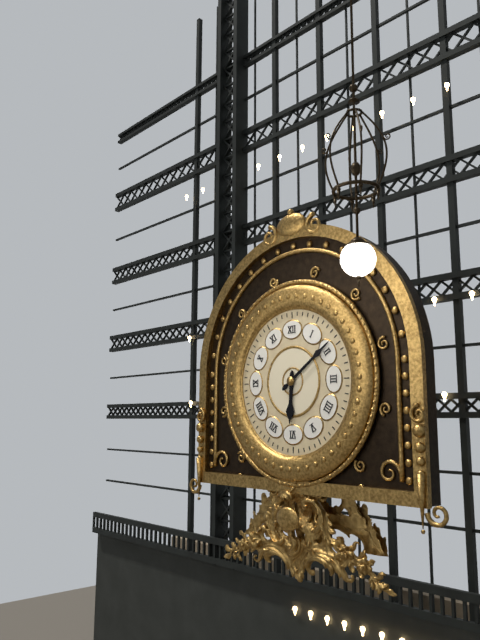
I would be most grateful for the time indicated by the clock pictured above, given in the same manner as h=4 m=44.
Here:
h=6 m=9
